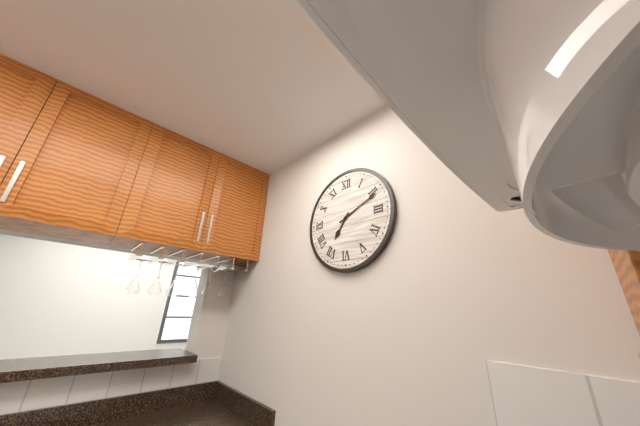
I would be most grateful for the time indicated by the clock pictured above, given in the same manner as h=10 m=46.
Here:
h=7 m=11
